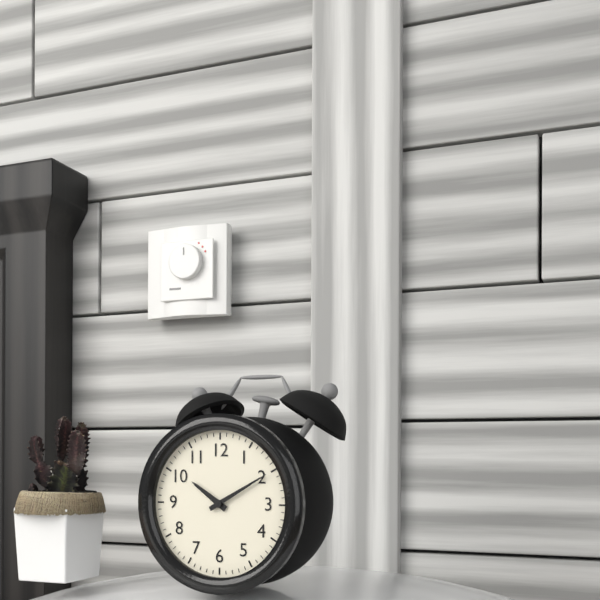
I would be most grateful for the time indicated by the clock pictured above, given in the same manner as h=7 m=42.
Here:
h=10 m=10
